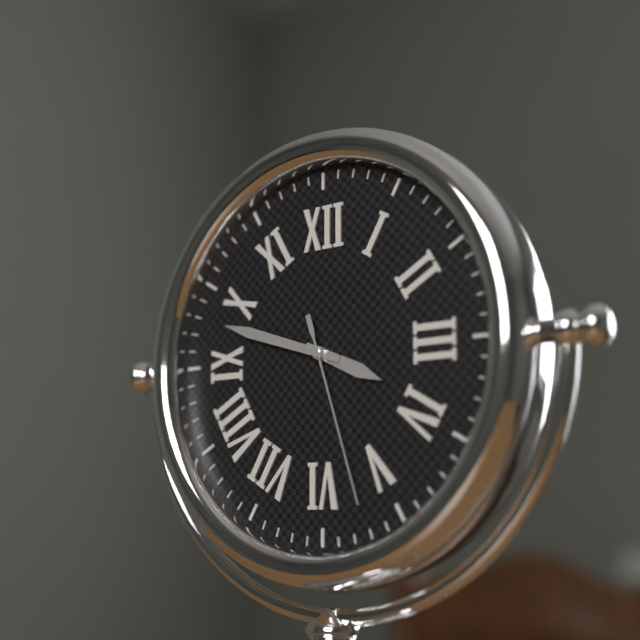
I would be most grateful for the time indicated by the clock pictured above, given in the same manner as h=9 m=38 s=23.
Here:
h=3 m=48 s=27
